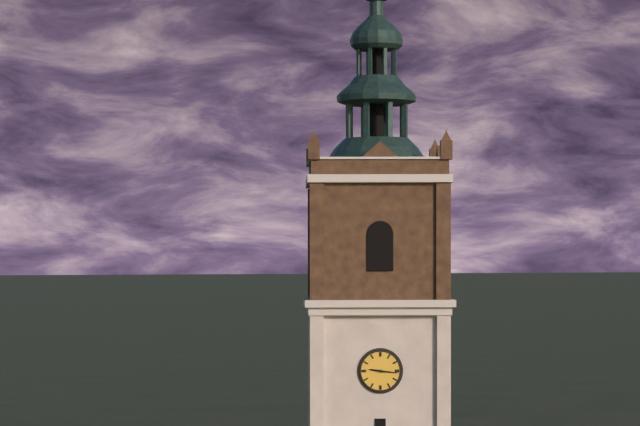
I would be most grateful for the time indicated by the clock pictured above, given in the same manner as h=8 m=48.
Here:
h=9 m=16
